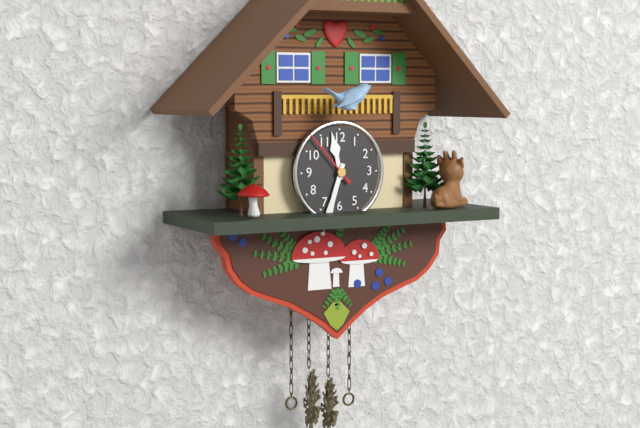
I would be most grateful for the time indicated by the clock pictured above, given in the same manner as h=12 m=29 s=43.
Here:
h=11 m=33 s=53
